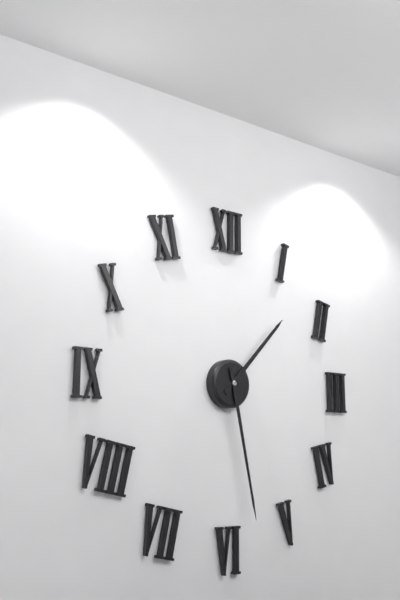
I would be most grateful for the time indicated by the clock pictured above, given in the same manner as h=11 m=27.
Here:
h=1 m=28
